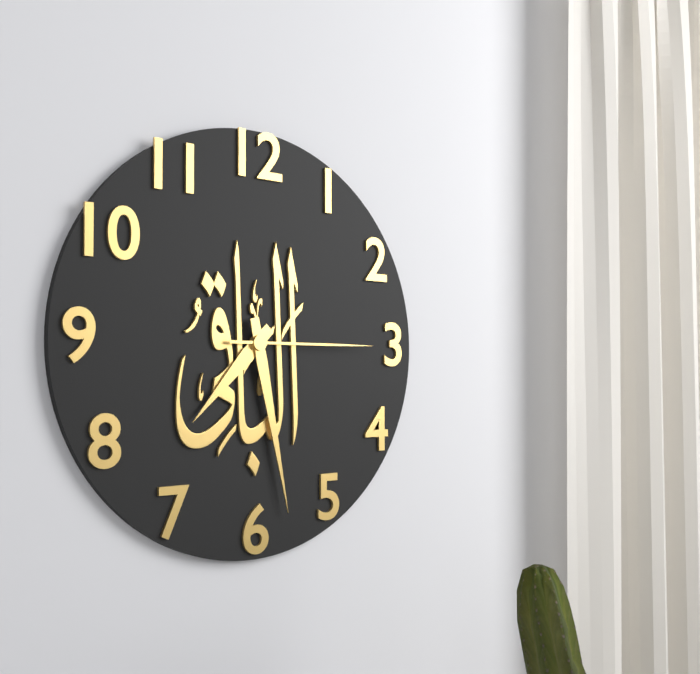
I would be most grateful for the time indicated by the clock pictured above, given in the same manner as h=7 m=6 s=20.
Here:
h=7 m=28 s=15
